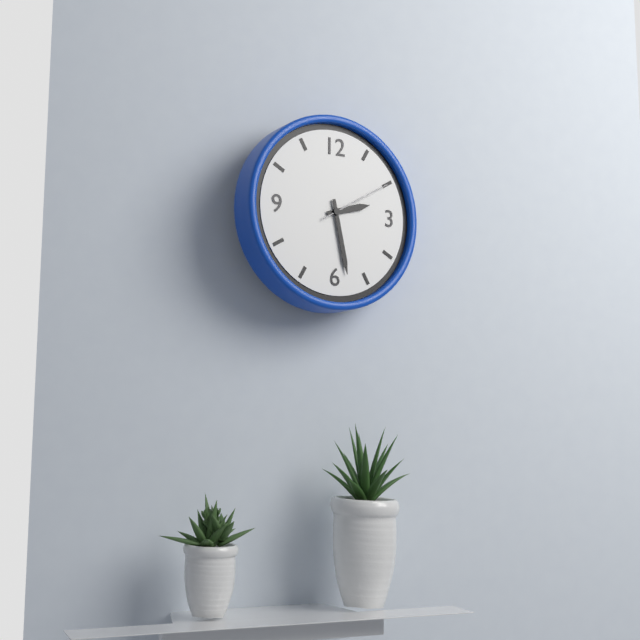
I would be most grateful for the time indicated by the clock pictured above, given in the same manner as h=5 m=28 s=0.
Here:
h=2 m=28 s=10
